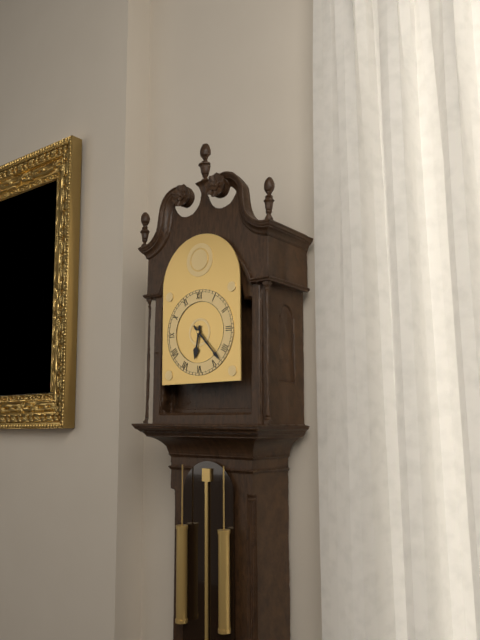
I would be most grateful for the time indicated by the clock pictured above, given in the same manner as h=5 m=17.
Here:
h=6 m=23
